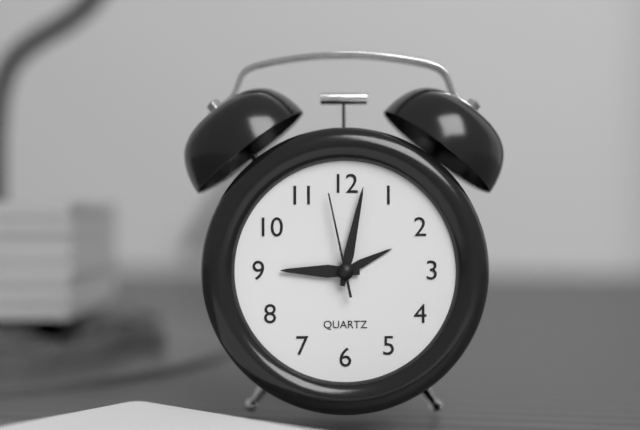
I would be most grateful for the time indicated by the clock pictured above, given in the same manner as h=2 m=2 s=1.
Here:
h=9 m=2 s=58
